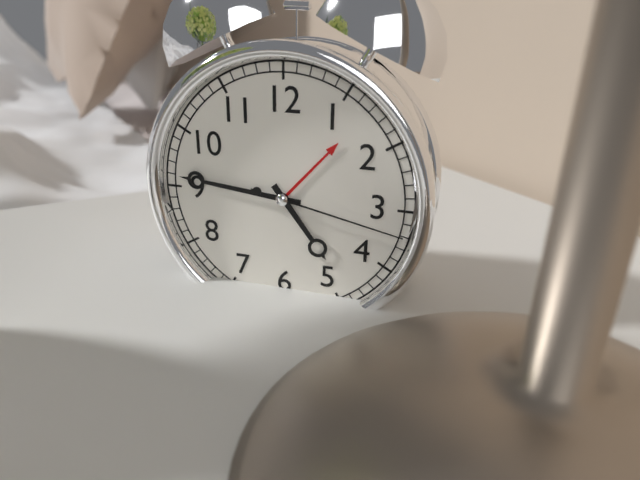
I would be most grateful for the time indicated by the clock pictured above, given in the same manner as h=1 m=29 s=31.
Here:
h=4 m=46 s=17
